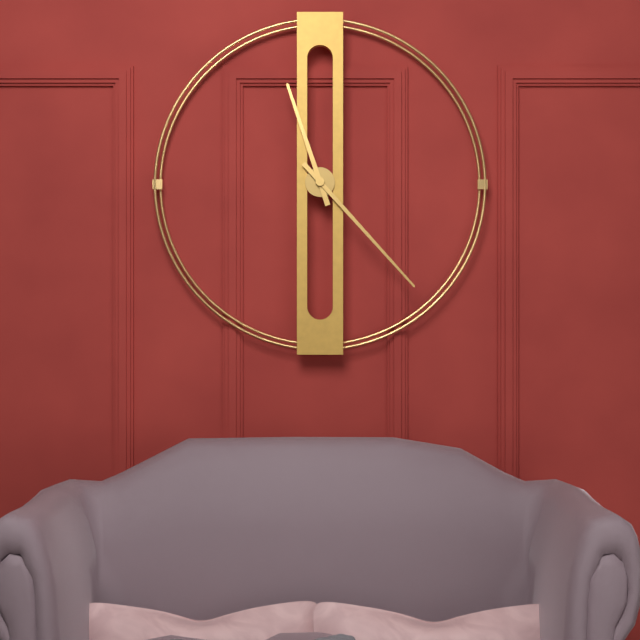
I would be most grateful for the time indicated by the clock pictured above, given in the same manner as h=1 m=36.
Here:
h=11 m=23
